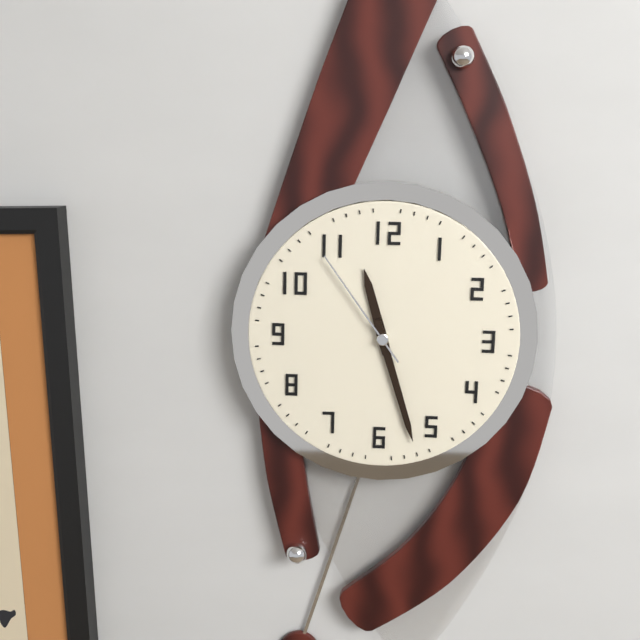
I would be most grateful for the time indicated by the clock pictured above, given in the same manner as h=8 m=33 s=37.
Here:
h=11 m=27 s=54
